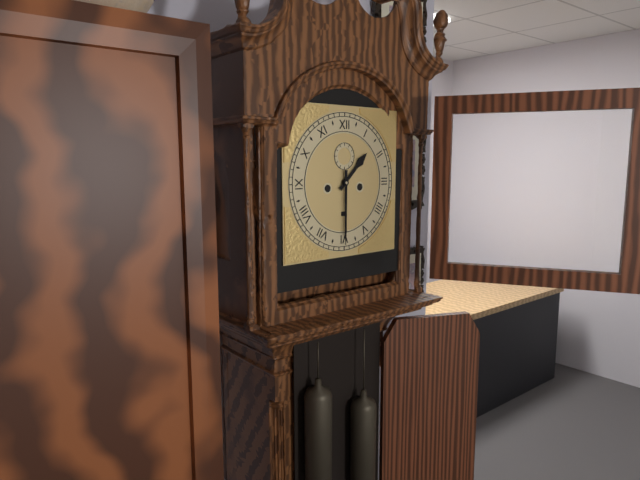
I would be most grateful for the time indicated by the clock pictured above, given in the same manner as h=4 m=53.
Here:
h=1 m=30
